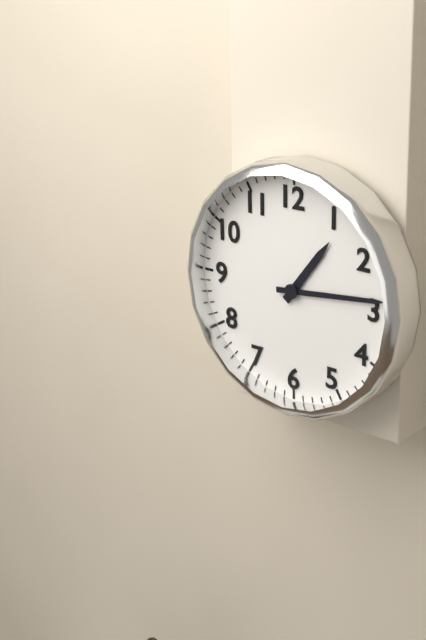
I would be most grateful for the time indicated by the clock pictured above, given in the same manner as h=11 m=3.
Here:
h=1 m=14
